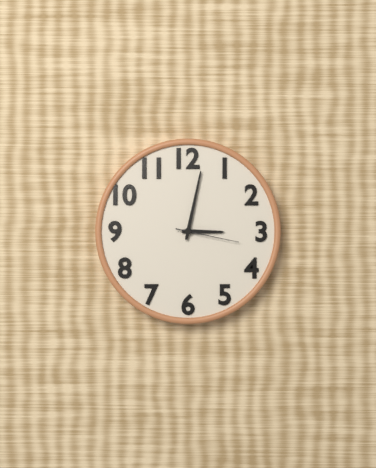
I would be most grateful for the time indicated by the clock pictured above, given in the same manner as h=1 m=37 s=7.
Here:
h=3 m=2 s=17
